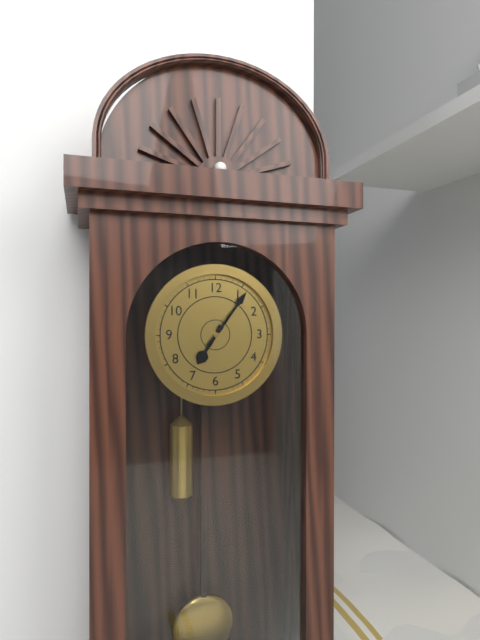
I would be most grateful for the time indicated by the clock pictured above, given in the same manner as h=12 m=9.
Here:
h=7 m=6
